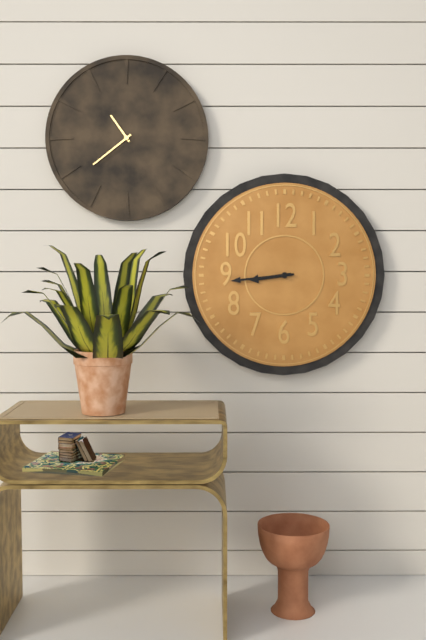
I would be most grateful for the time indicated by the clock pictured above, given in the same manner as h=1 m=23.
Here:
h=8 m=44
